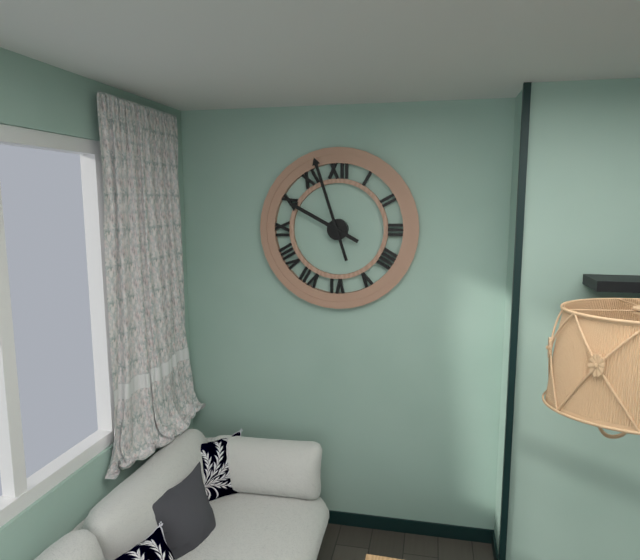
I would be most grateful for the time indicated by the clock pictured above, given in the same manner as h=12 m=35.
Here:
h=9 m=57
